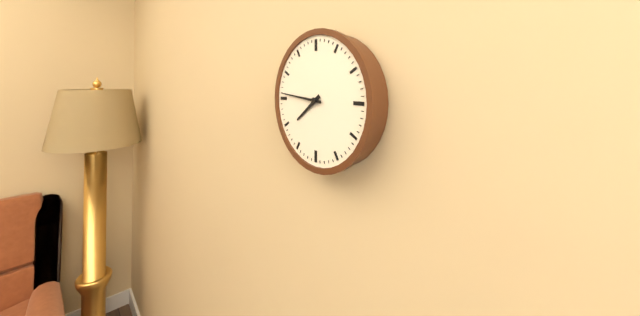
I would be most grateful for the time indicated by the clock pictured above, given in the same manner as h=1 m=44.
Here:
h=7 m=46
